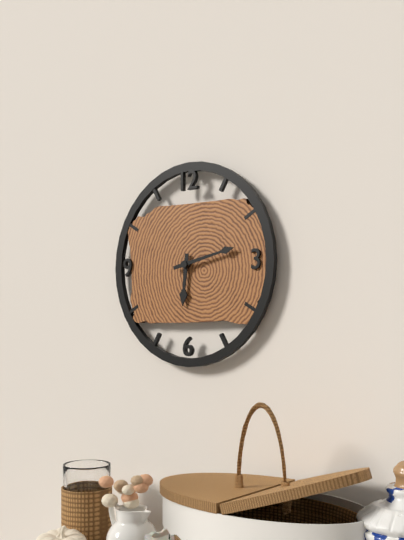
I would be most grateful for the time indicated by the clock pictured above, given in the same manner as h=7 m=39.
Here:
h=6 m=13
